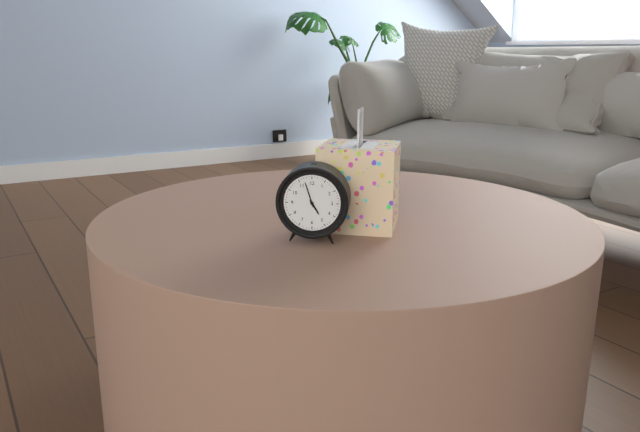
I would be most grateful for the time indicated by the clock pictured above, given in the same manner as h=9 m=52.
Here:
h=4 m=57
